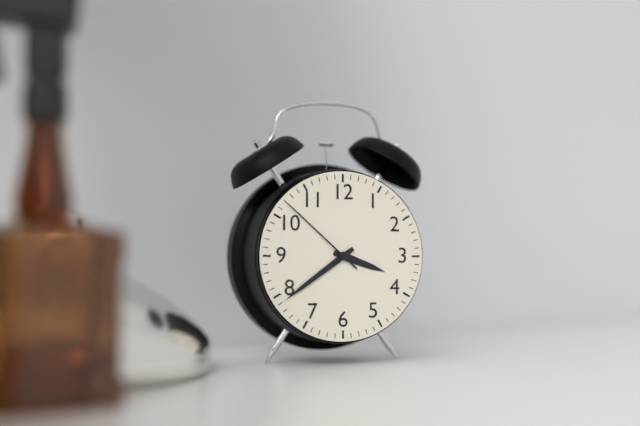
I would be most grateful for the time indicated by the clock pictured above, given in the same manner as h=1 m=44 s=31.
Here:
h=3 m=39 s=52
